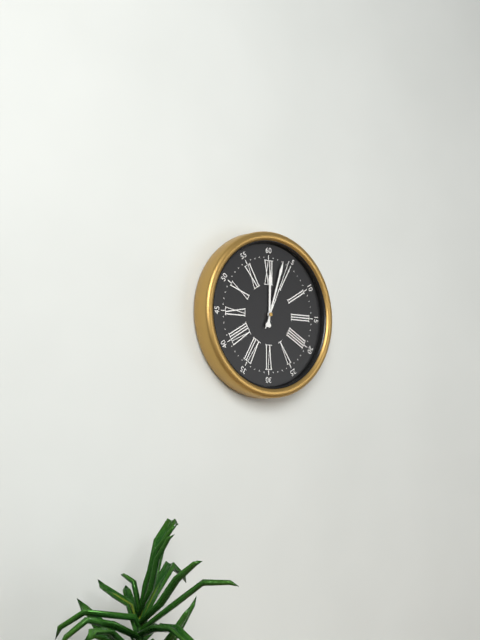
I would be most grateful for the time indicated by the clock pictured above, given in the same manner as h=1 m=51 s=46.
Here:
h=12 m=3 s=4
